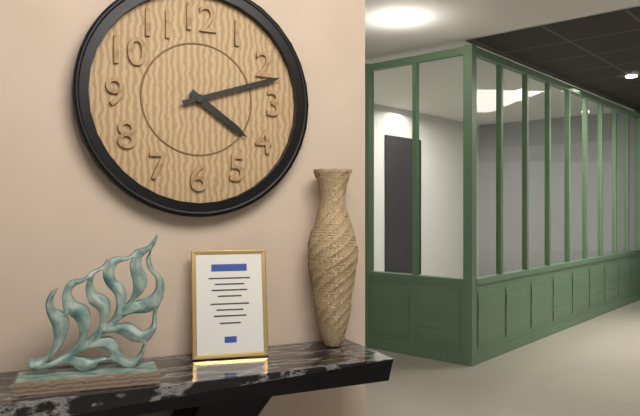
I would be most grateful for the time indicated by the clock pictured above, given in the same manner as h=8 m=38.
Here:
h=4 m=12
